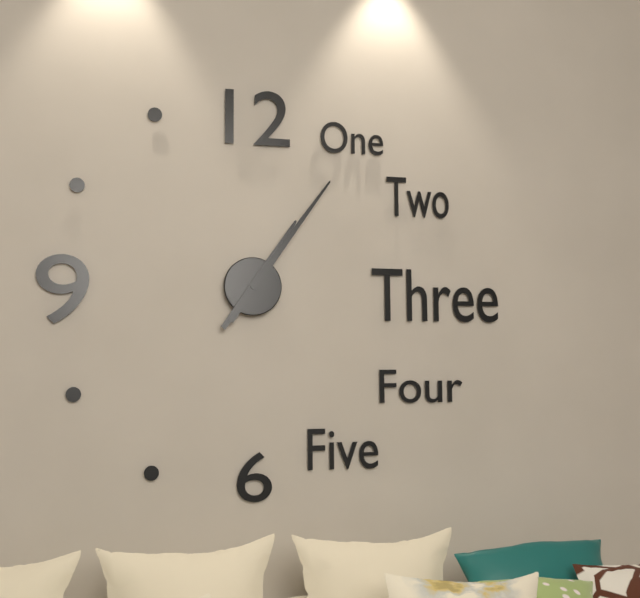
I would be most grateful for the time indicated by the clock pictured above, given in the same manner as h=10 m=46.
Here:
h=1 m=6
